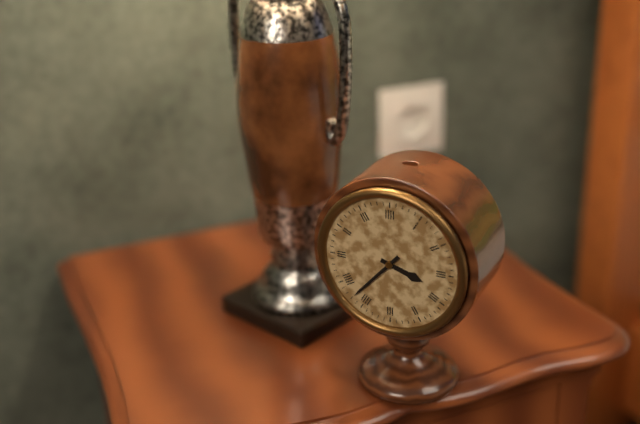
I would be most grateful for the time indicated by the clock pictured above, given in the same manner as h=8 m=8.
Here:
h=3 m=37
